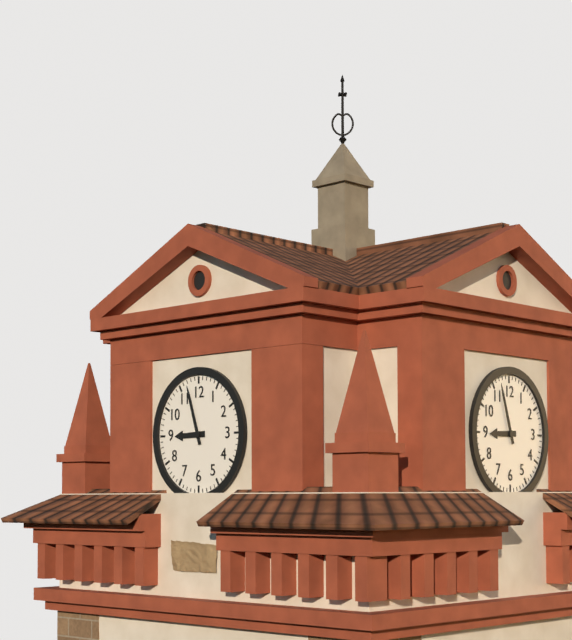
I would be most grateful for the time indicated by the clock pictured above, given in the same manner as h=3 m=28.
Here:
h=8 m=57
